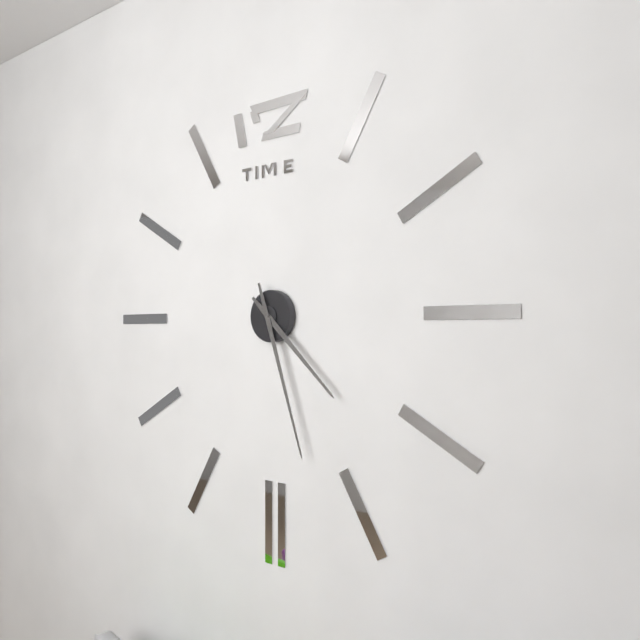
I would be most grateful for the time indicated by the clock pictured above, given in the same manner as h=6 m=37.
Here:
h=4 m=27
